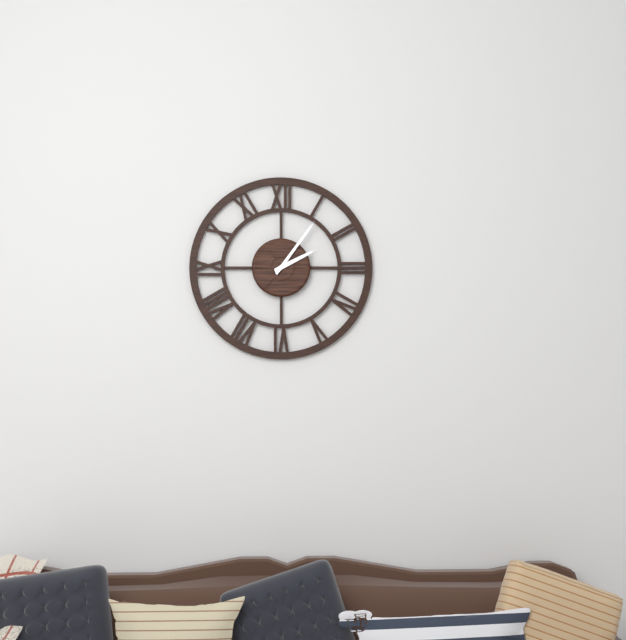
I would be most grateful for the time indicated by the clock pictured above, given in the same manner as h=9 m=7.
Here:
h=2 m=6
